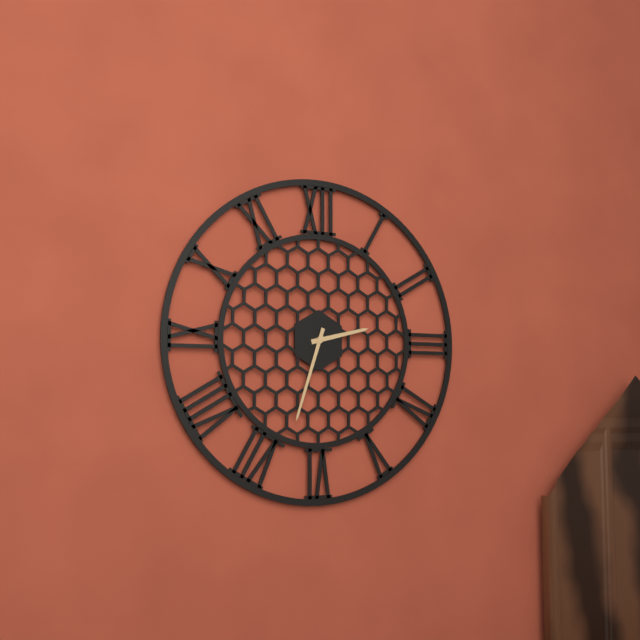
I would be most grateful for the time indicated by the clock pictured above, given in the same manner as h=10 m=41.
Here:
h=2 m=33
